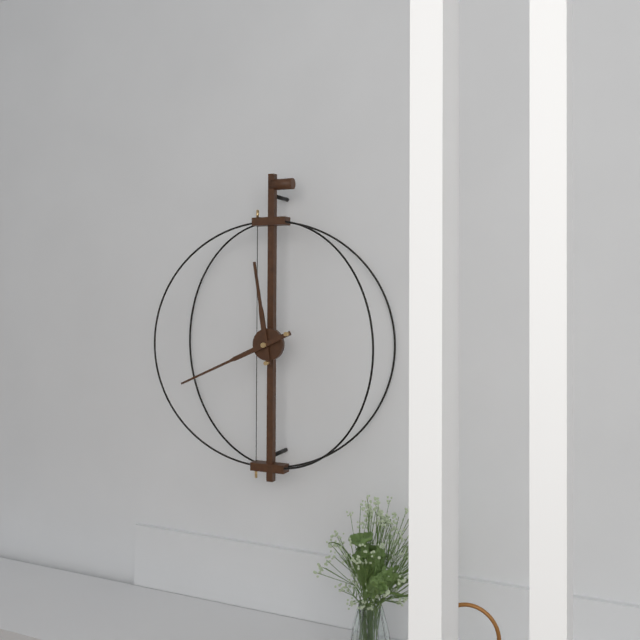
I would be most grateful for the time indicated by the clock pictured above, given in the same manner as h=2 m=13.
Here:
h=11 m=41
